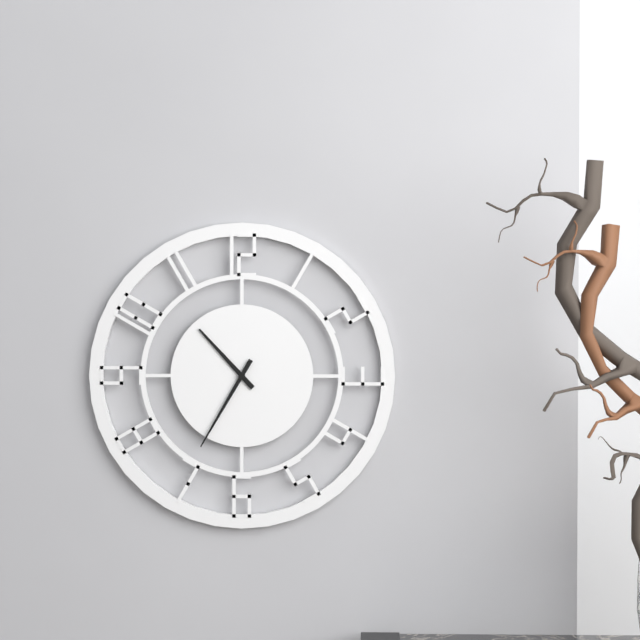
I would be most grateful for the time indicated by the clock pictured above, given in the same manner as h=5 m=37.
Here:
h=10 m=35
